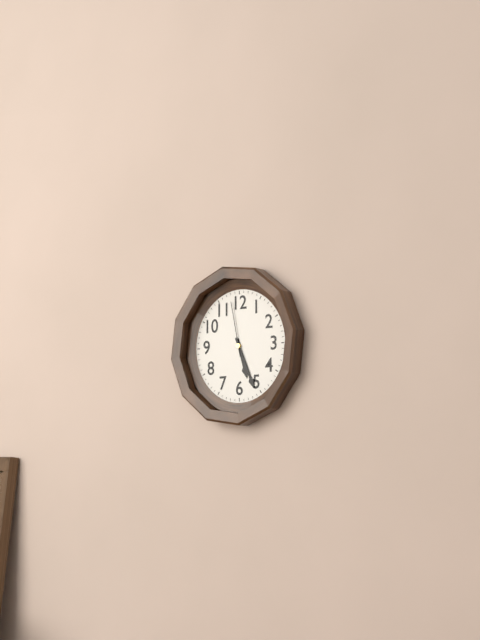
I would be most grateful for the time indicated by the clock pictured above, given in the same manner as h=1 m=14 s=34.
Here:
h=5 m=26 s=58
